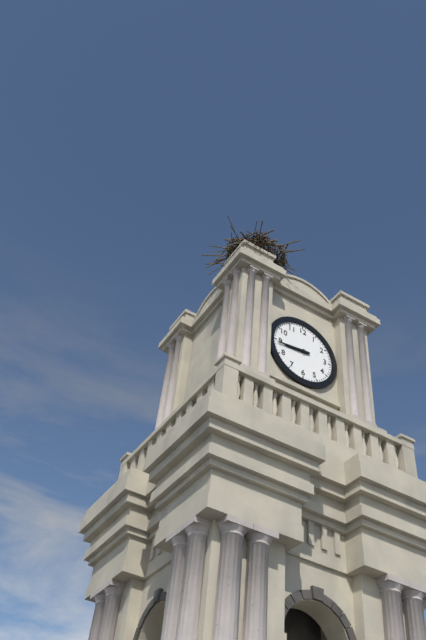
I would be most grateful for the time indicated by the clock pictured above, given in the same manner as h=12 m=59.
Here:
h=8 m=44
